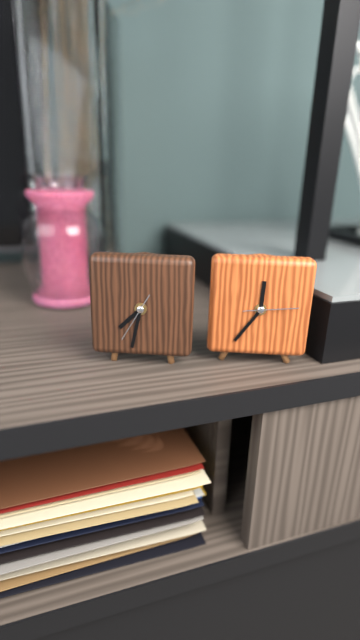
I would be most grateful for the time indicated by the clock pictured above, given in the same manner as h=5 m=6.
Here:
h=7 m=32
